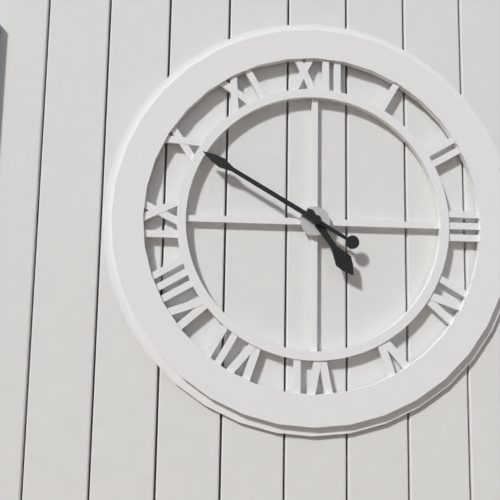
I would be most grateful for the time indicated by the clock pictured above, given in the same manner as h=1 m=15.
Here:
h=4 m=50
